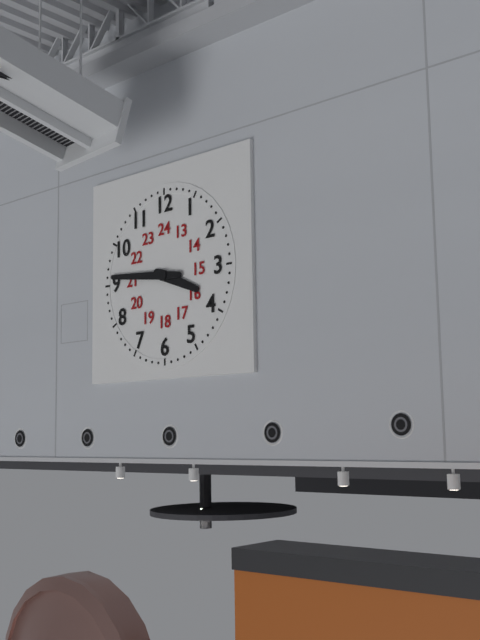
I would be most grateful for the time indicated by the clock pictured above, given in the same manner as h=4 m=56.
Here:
h=3 m=46
